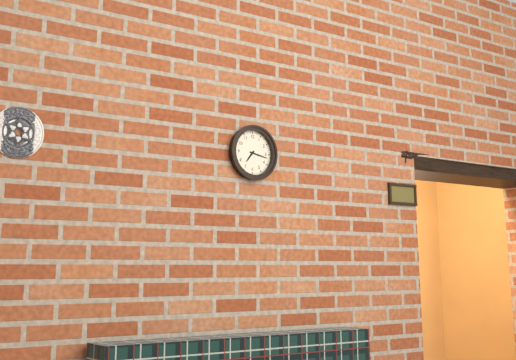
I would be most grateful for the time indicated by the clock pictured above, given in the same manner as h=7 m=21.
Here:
h=7 m=17
